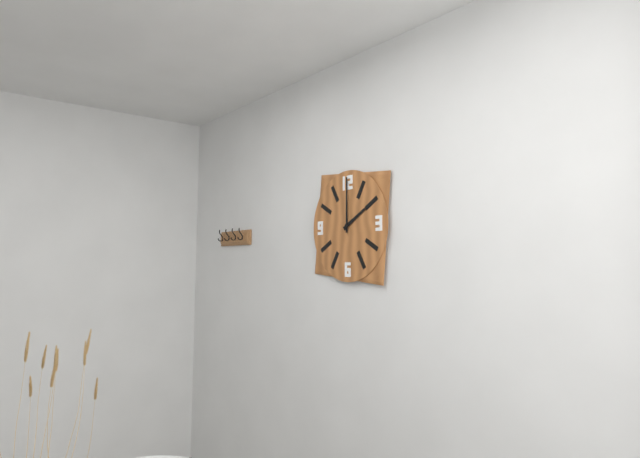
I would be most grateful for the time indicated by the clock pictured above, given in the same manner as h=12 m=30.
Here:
h=2 m=0
